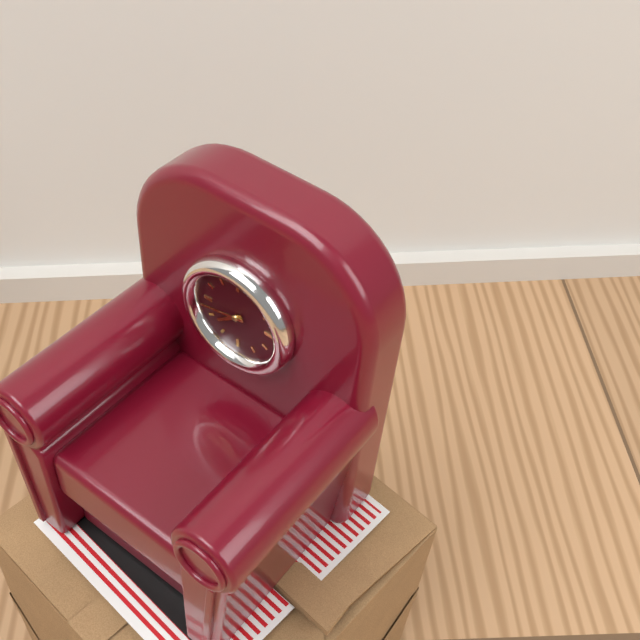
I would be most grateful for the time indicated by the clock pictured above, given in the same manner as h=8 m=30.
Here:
h=7 m=43
